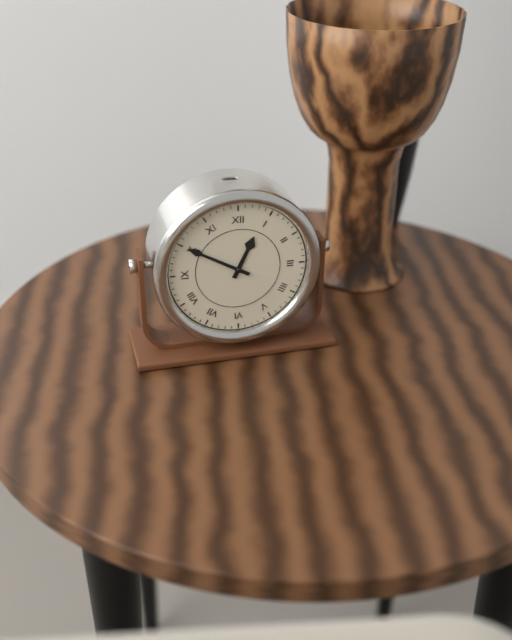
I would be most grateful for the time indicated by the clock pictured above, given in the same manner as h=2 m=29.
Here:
h=12 m=50
